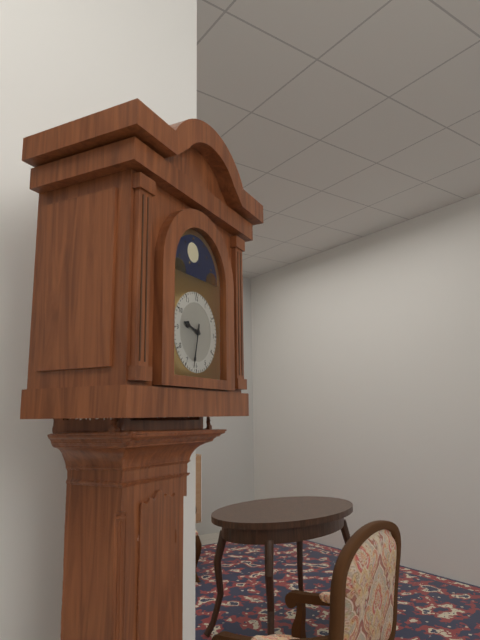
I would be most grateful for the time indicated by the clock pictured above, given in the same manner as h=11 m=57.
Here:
h=9 m=32
